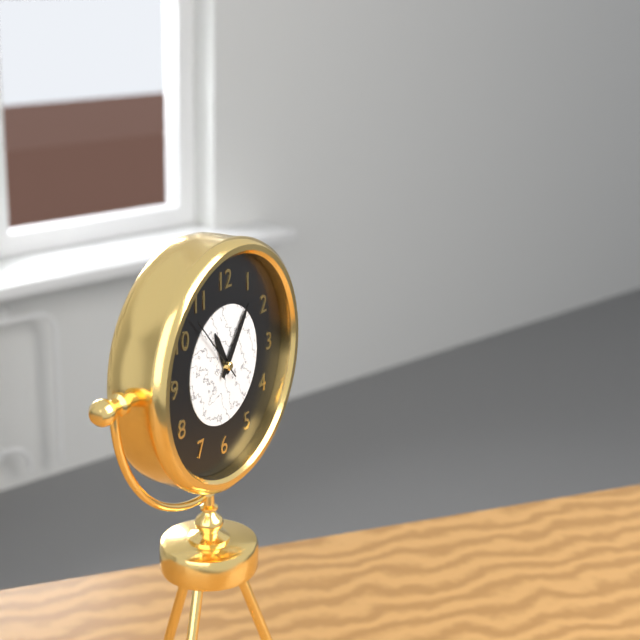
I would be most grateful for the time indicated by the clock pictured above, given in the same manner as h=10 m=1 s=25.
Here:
h=11 m=6 s=53
